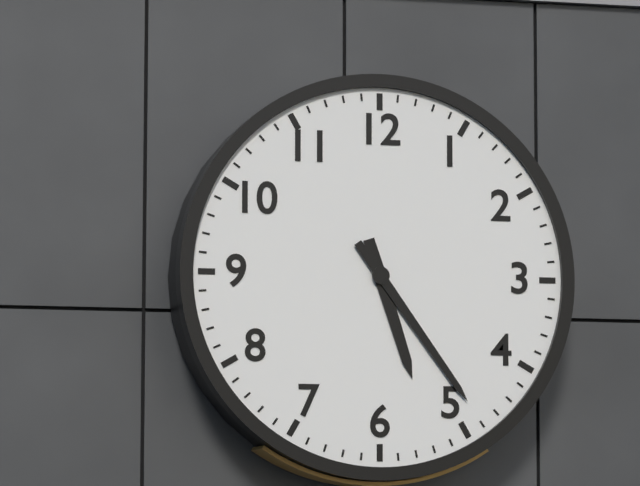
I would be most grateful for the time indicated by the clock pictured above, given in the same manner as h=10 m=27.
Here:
h=5 m=24
